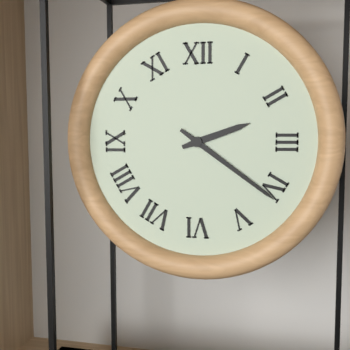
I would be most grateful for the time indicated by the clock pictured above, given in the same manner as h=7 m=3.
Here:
h=2 m=21
